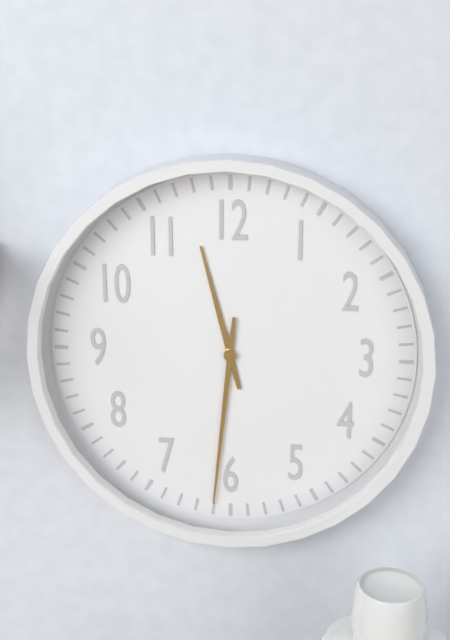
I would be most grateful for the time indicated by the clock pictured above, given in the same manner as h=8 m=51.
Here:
h=11 m=31
